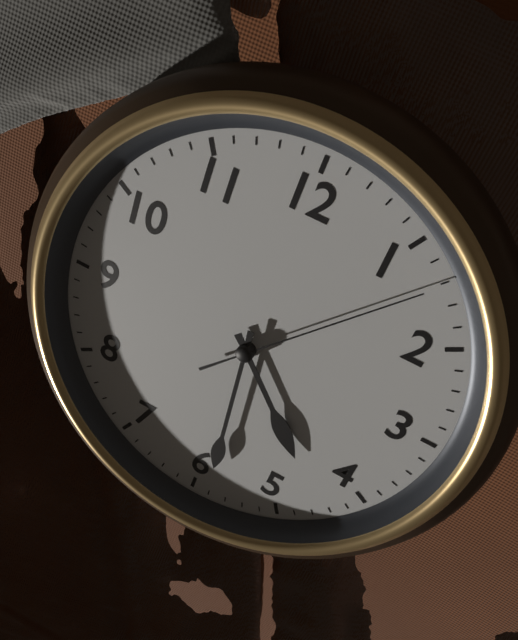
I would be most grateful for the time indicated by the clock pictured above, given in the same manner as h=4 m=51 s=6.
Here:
h=4 m=29 s=7
